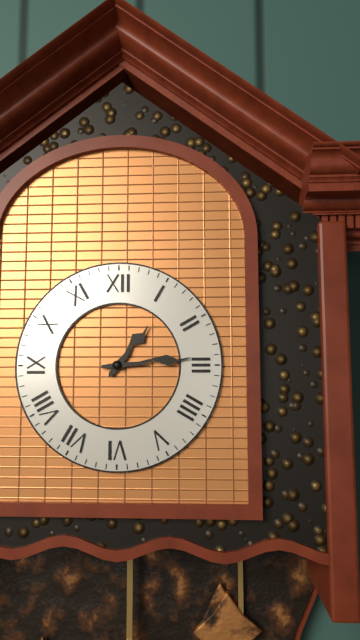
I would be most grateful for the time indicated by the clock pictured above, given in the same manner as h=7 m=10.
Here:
h=1 m=14
